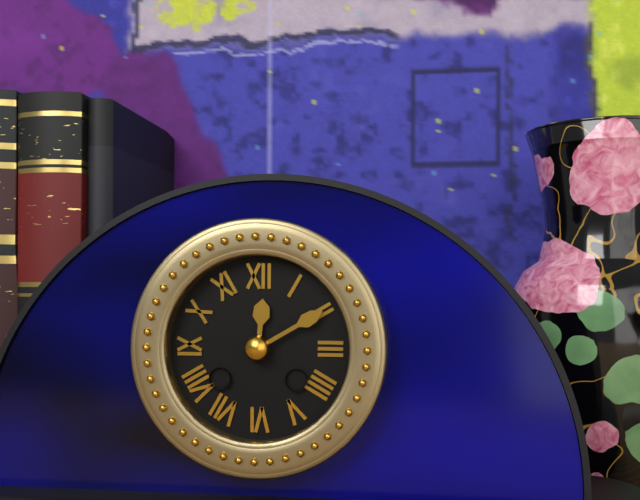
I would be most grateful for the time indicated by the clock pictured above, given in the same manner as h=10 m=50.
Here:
h=12 m=10
